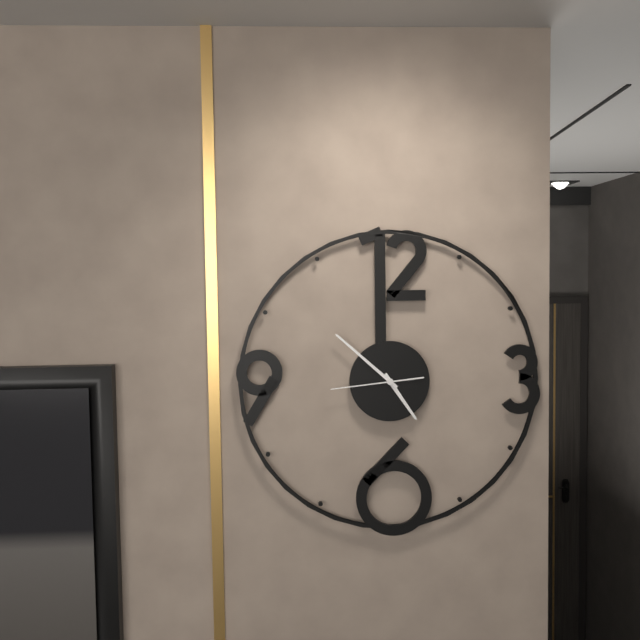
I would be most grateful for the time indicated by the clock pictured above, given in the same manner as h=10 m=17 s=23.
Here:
h=4 m=52 s=44
